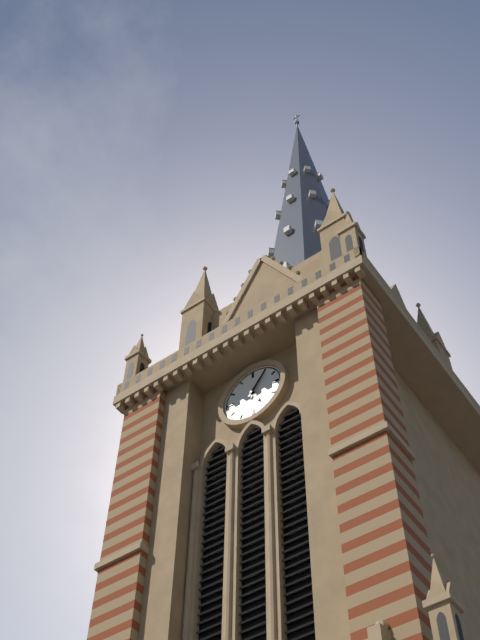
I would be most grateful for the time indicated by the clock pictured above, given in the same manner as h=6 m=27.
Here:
h=5 m=6
